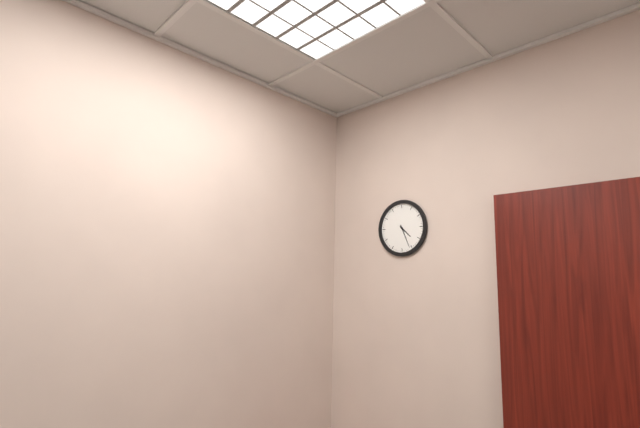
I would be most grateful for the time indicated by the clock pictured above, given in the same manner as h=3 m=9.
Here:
h=4 m=26
